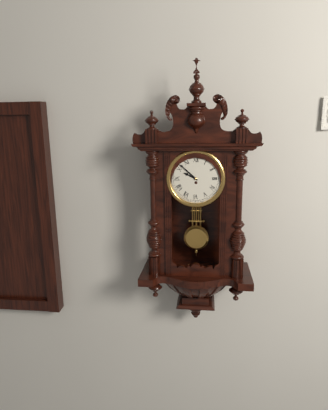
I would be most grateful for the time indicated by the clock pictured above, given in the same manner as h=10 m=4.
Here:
h=9 m=52
